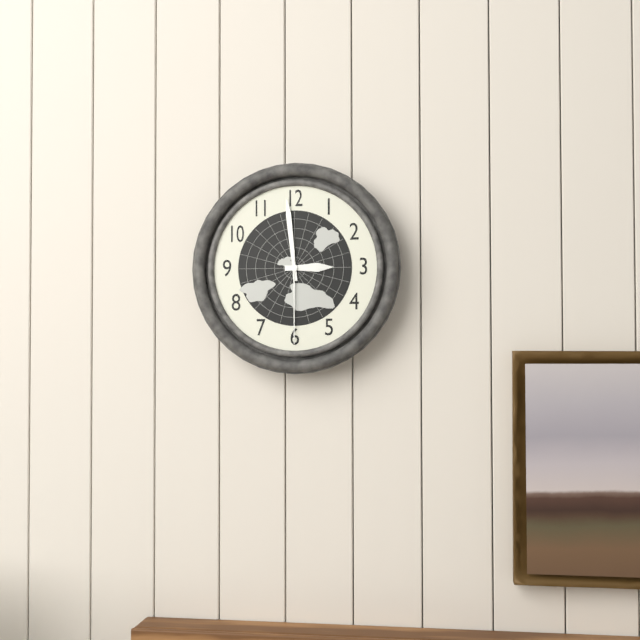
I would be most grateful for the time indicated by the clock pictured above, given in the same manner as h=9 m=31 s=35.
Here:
h=2 m=59 s=30
